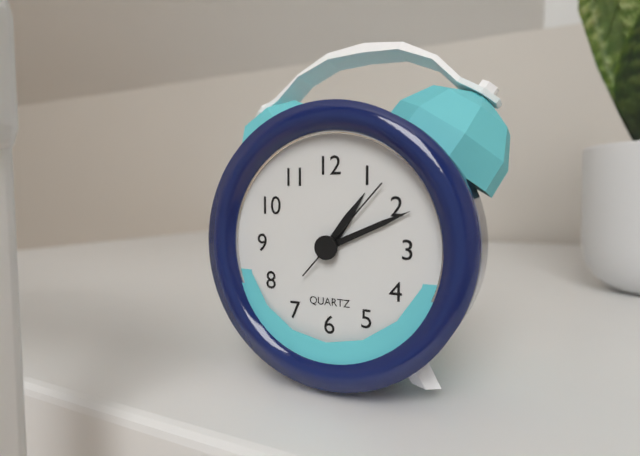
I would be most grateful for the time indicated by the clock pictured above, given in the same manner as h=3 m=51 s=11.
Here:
h=1 m=11 s=7
